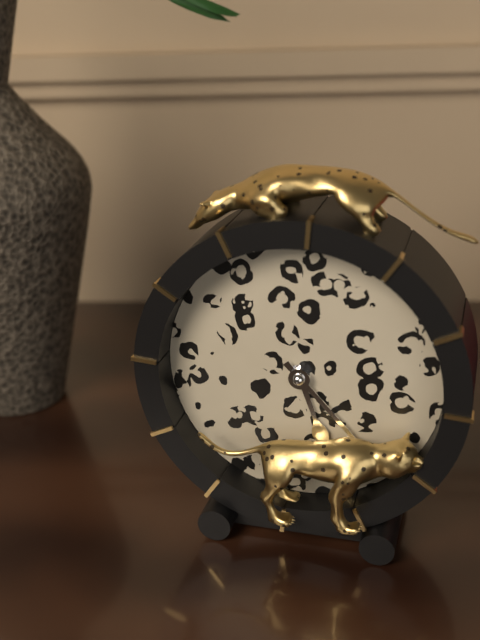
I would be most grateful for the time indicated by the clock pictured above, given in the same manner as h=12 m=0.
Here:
h=5 m=23
